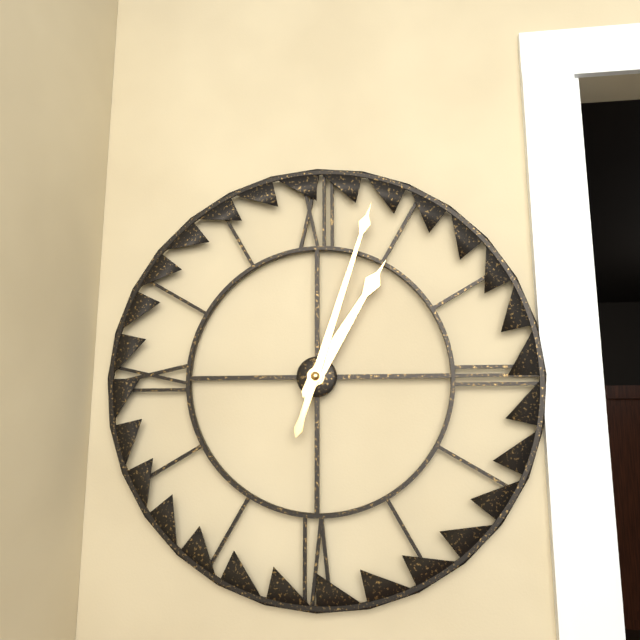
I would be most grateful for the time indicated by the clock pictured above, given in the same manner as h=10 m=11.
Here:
h=1 m=3
